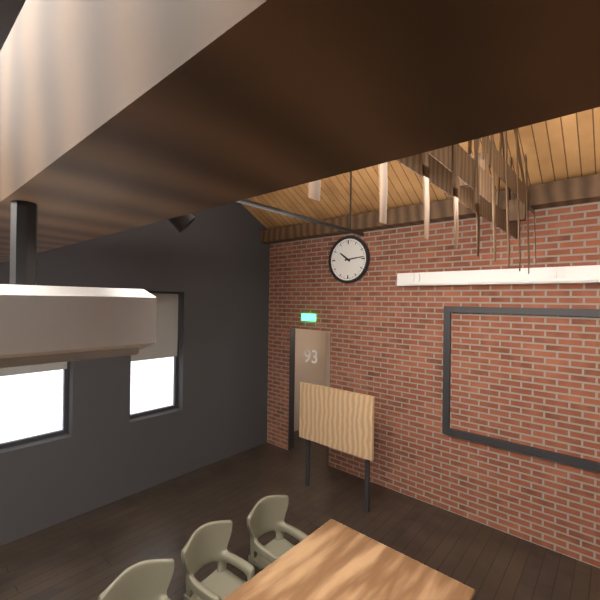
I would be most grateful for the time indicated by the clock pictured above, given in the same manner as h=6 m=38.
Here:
h=10 m=14
